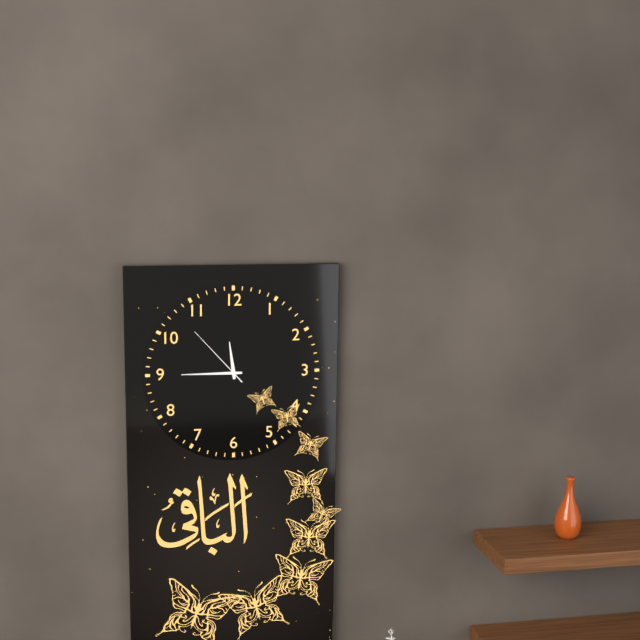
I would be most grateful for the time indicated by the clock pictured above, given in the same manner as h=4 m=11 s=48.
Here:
h=11 m=45 s=53
